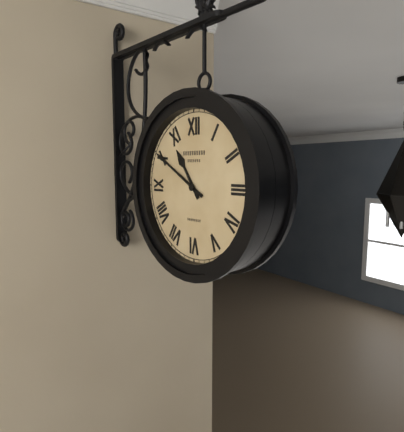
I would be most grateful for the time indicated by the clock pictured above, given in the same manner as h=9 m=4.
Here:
h=10 m=50
